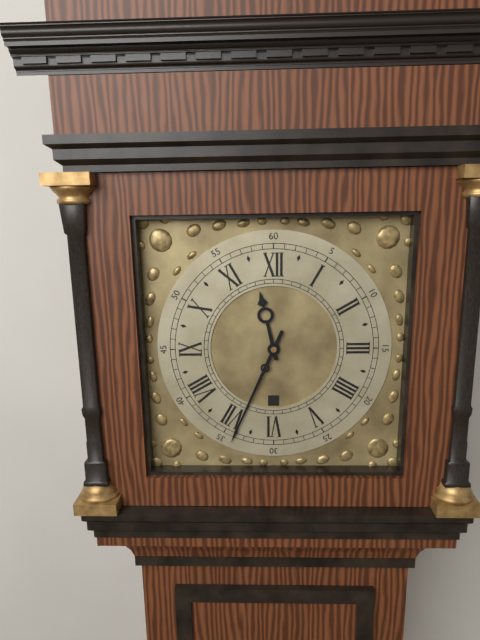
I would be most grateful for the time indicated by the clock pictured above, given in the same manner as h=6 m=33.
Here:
h=11 m=34
